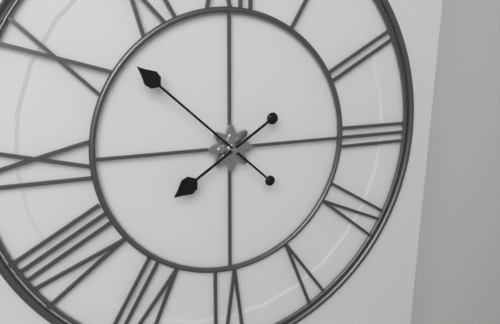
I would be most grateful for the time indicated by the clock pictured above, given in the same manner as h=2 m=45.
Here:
h=7 m=52
